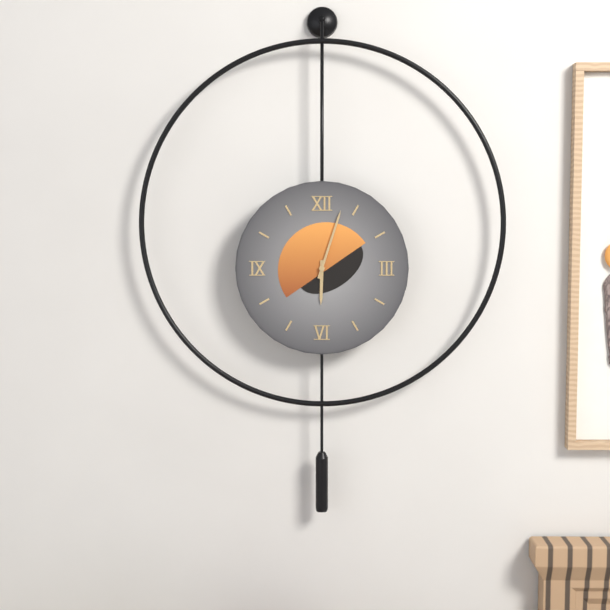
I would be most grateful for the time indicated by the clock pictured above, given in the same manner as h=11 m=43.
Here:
h=6 m=3
